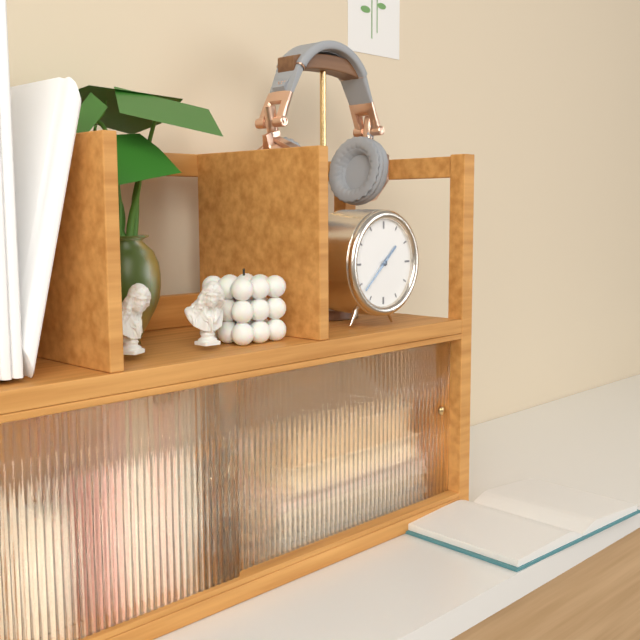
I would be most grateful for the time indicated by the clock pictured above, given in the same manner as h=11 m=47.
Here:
h=1 m=38
